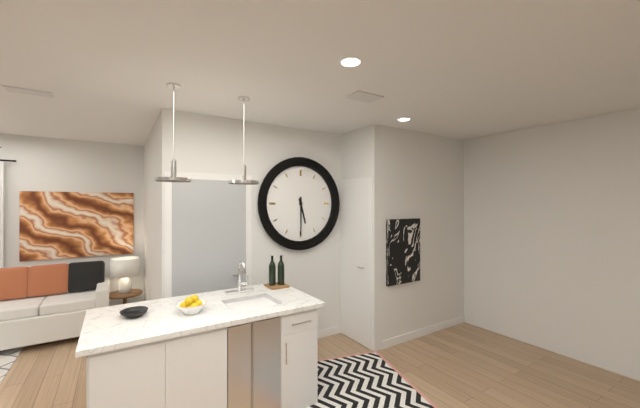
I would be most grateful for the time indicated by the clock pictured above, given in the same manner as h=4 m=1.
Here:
h=5 m=30
